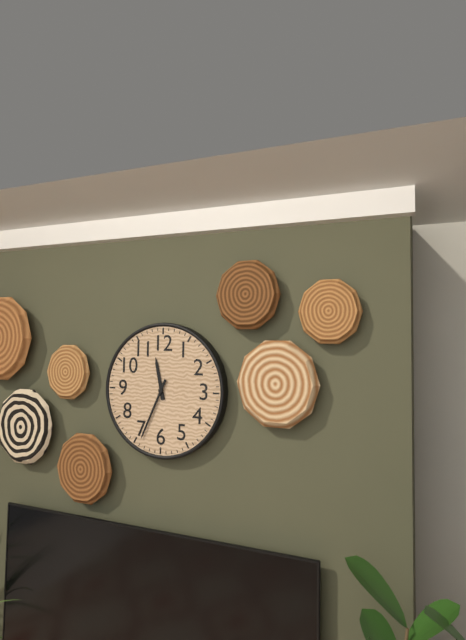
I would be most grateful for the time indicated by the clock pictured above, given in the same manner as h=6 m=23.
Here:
h=11 m=34
